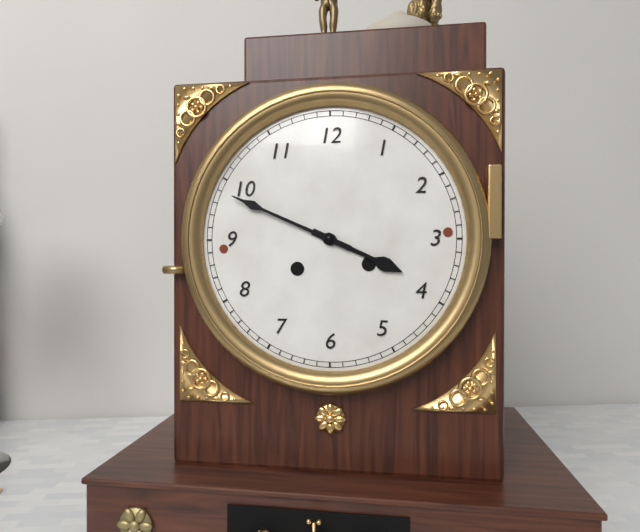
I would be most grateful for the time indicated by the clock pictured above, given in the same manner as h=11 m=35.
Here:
h=3 m=49
